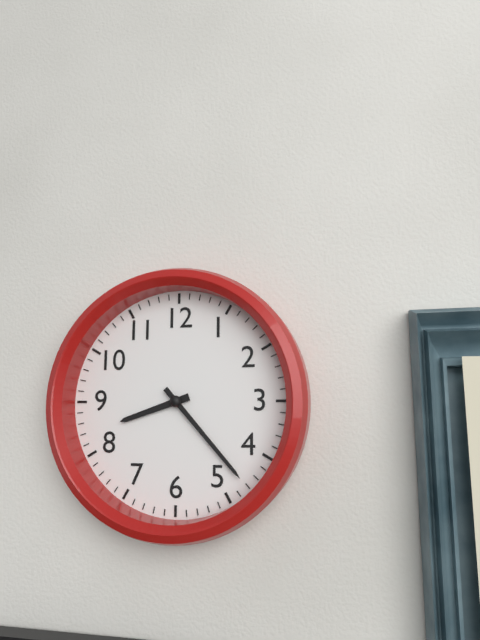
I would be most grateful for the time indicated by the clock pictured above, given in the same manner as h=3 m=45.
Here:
h=8 m=23
